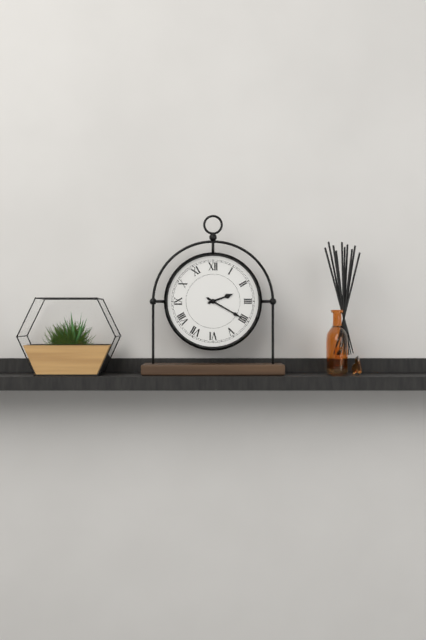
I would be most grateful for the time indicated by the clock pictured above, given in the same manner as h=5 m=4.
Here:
h=2 m=20
